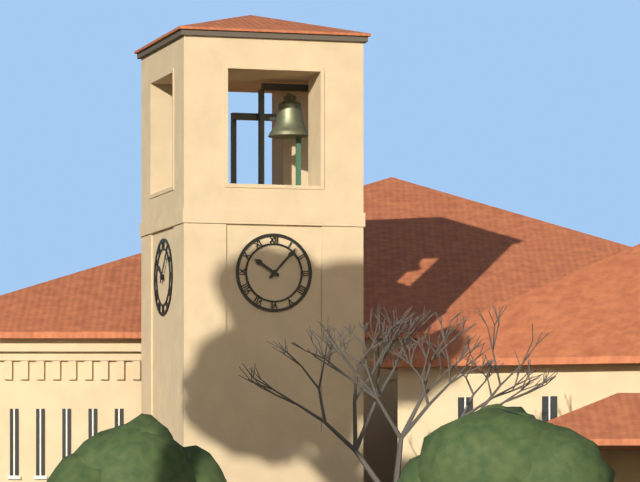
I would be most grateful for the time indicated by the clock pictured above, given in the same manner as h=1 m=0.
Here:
h=10 m=7
